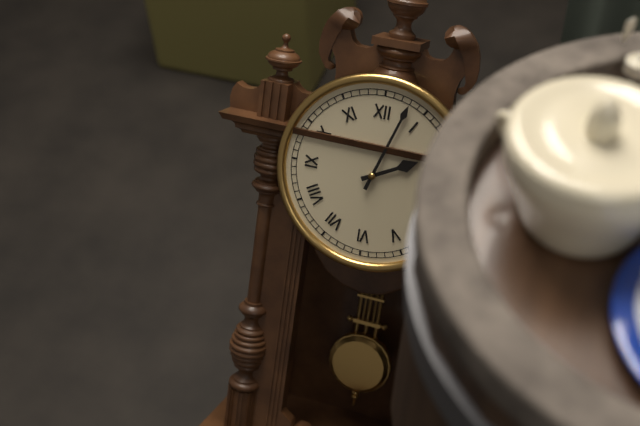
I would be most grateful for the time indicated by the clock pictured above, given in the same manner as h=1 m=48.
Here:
h=2 m=3
